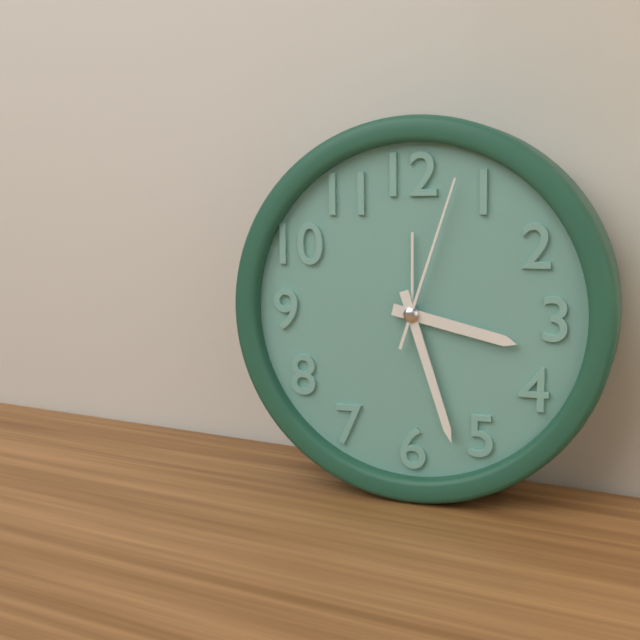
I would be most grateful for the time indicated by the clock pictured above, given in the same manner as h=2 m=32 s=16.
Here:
h=3 m=27 s=3
